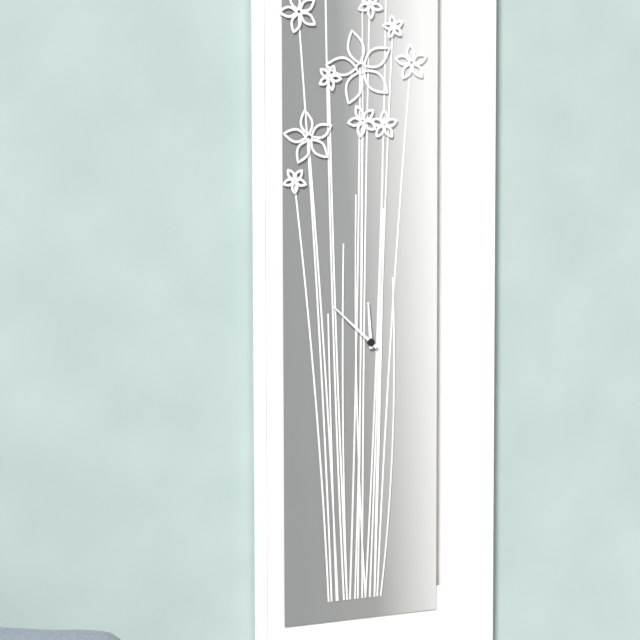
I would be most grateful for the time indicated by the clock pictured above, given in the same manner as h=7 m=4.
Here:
h=11 m=52
